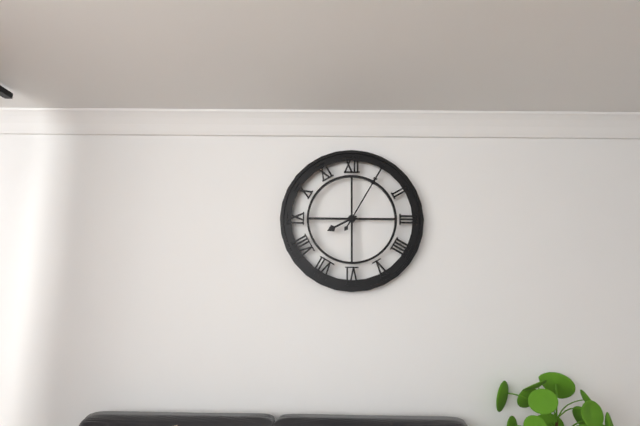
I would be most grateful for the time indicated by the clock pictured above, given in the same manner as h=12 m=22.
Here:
h=8 m=5
